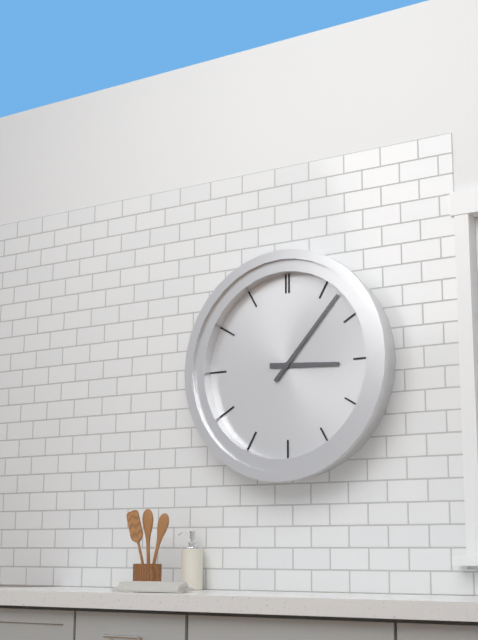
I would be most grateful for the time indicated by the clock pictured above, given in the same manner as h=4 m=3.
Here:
h=3 m=7
